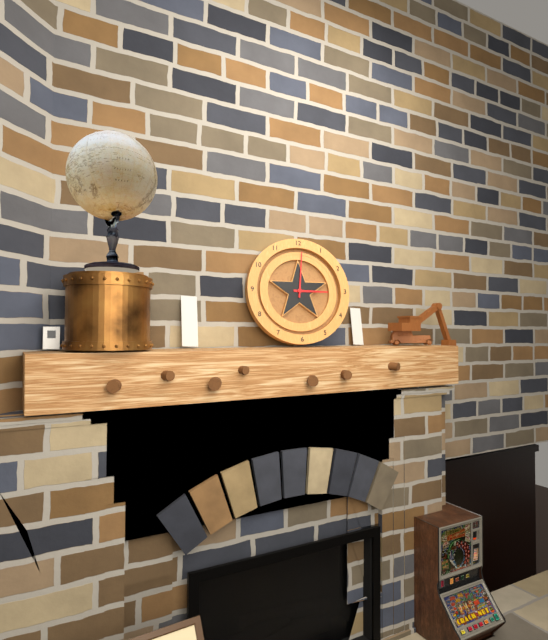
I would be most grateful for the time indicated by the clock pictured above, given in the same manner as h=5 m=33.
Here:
h=3 m=1
